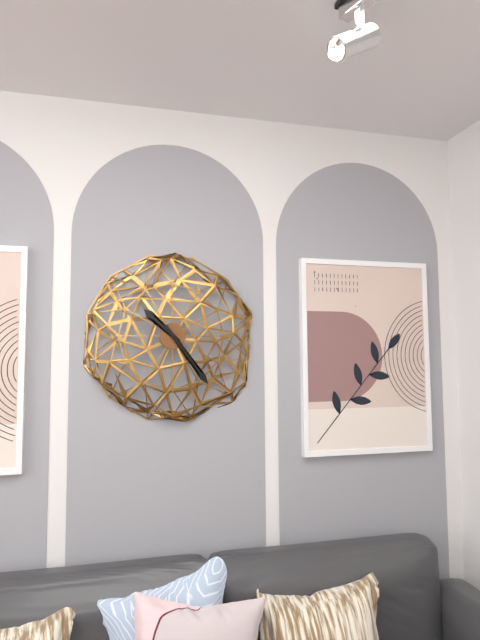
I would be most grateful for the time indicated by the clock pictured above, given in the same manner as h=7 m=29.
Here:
h=10 m=24
